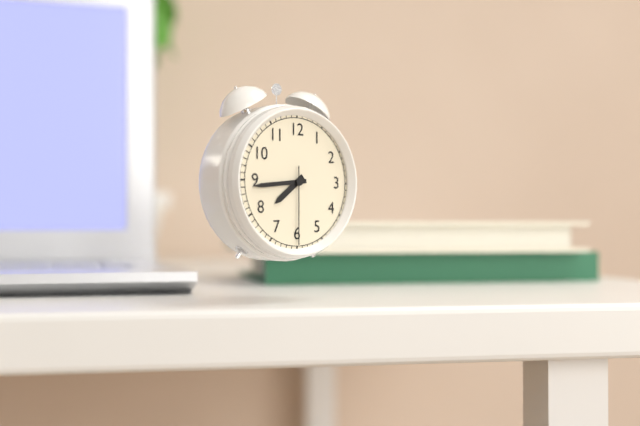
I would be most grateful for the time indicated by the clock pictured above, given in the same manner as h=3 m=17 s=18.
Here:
h=7 m=44 s=30
